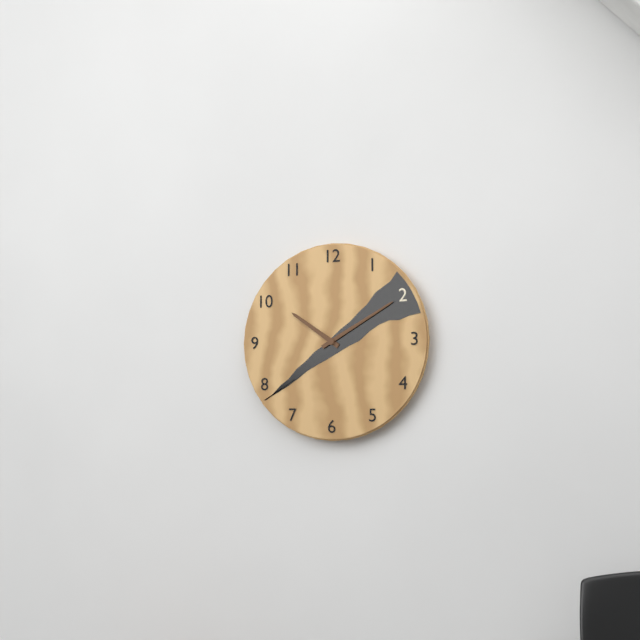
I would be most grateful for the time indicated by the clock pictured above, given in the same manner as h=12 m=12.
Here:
h=10 m=10
